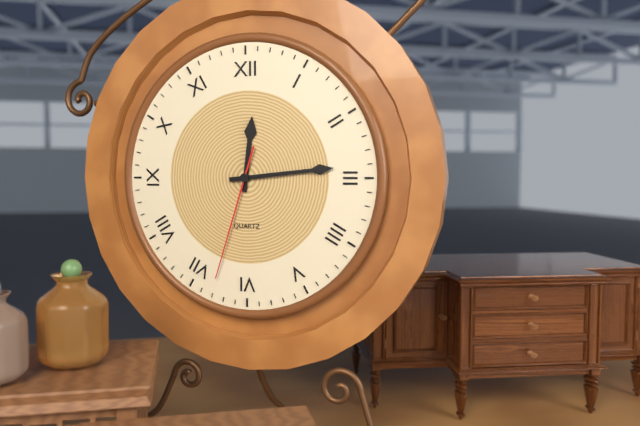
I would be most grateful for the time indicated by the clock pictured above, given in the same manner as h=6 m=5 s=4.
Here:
h=12 m=14 s=33
